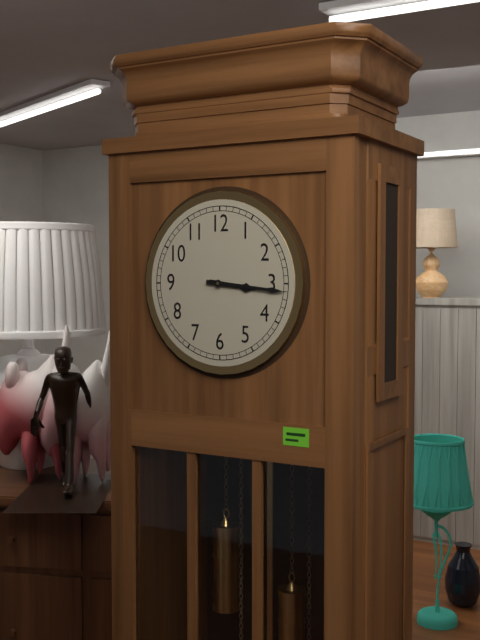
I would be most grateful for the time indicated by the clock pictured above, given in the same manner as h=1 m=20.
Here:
h=3 m=16
